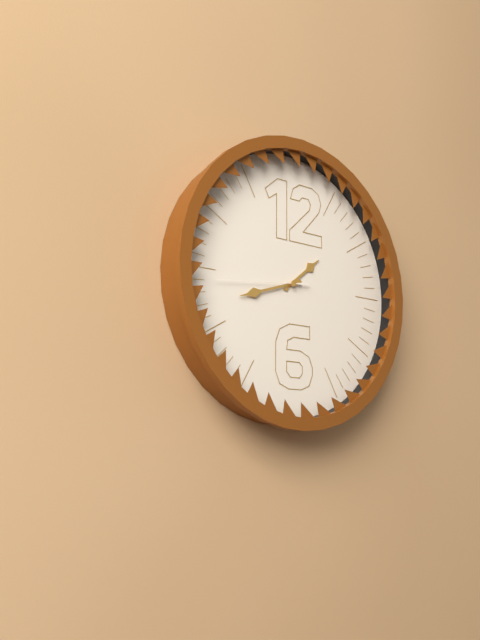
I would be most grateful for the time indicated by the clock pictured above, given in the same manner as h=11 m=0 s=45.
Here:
h=1 m=42 s=44
